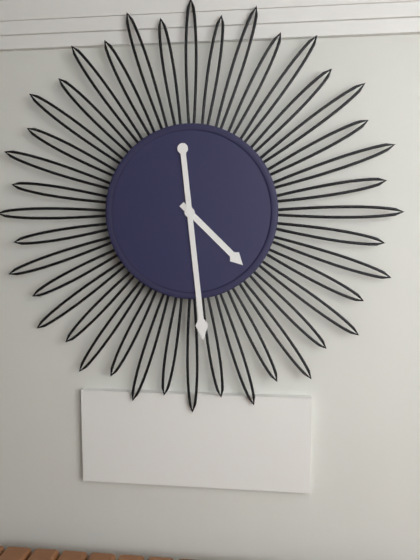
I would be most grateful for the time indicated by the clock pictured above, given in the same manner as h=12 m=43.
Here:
h=4 m=29
